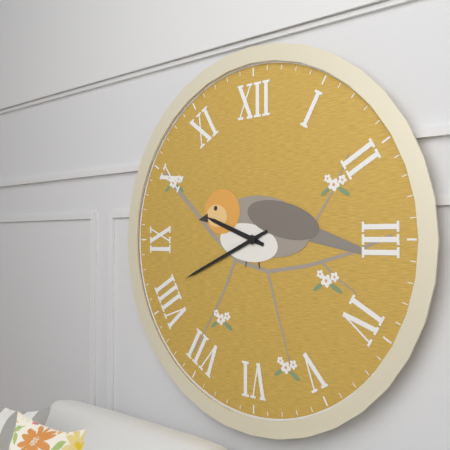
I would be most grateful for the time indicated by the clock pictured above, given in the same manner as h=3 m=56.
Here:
h=9 m=41
